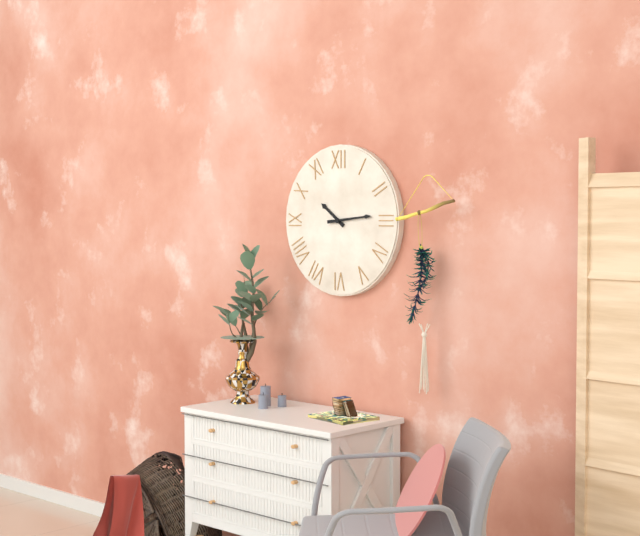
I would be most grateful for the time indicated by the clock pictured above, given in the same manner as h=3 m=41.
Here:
h=10 m=14
